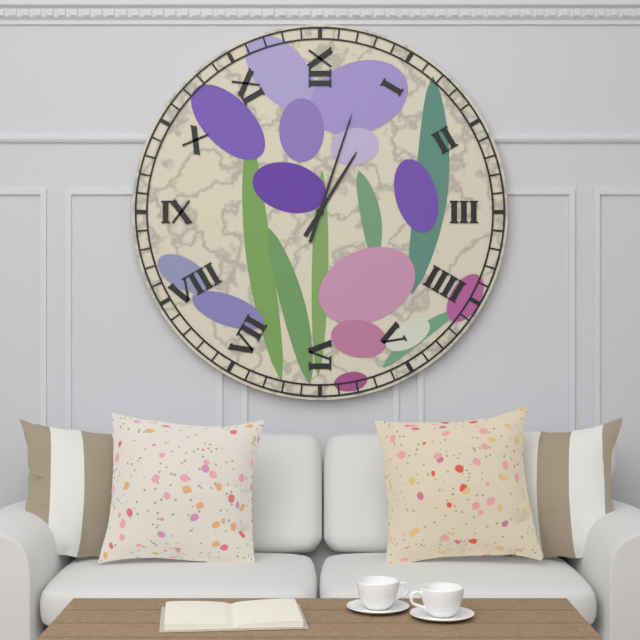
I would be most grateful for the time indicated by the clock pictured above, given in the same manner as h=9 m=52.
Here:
h=1 m=3
